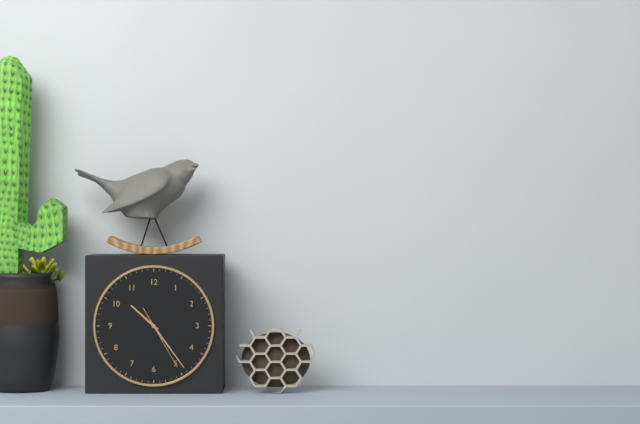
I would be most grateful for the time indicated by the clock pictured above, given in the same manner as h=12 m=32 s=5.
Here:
h=10 m=24 s=25
